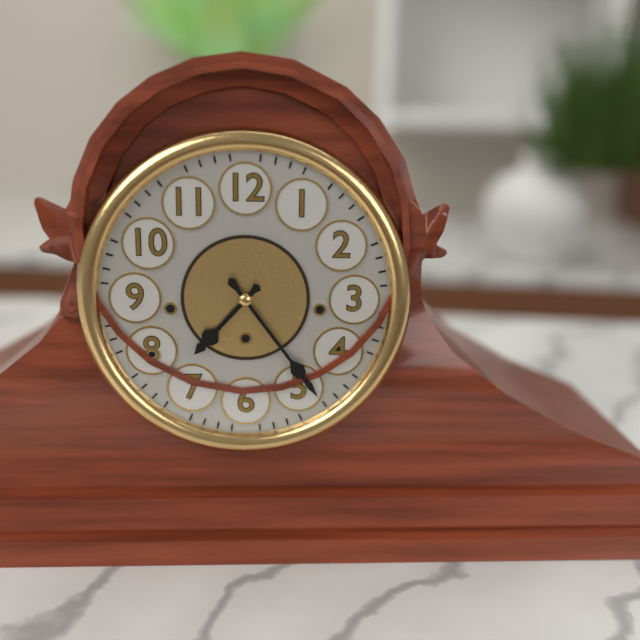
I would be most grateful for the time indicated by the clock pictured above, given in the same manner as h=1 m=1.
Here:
h=7 m=24
